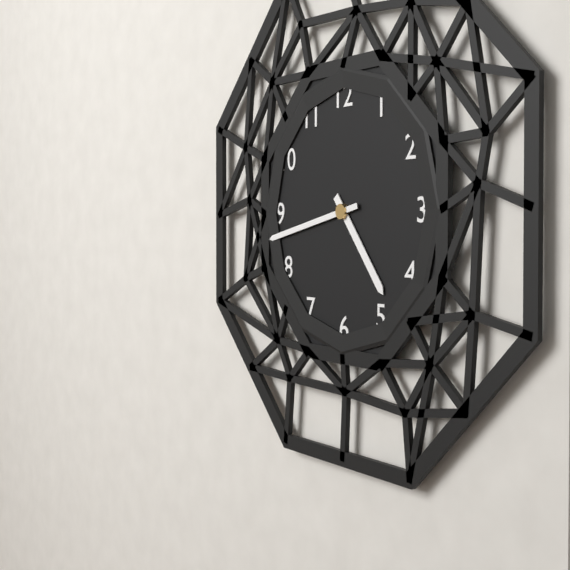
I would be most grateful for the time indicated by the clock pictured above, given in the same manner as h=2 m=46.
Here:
h=4 m=43
